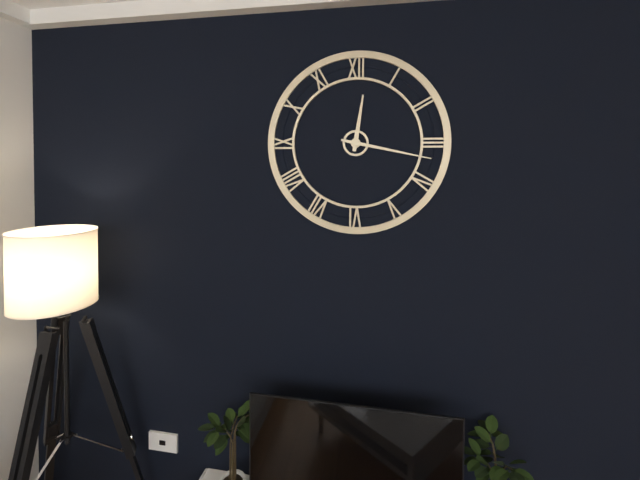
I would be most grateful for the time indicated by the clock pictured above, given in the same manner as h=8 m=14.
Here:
h=12 m=17
